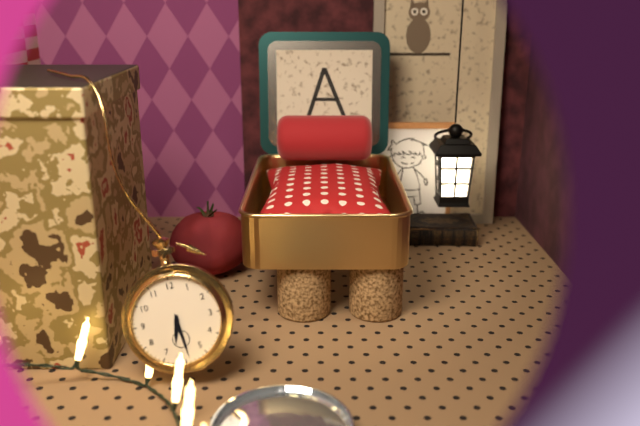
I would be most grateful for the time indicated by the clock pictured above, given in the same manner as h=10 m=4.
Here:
h=6 m=29
